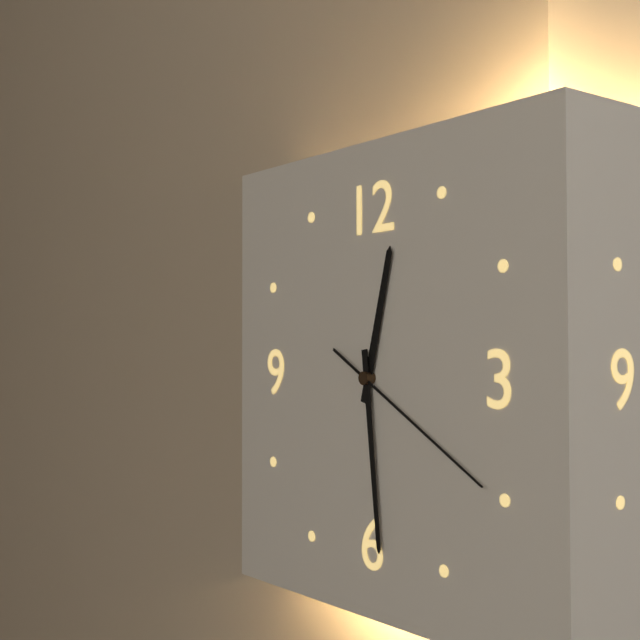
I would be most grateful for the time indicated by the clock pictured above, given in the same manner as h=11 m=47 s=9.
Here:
h=12 m=29 s=20
